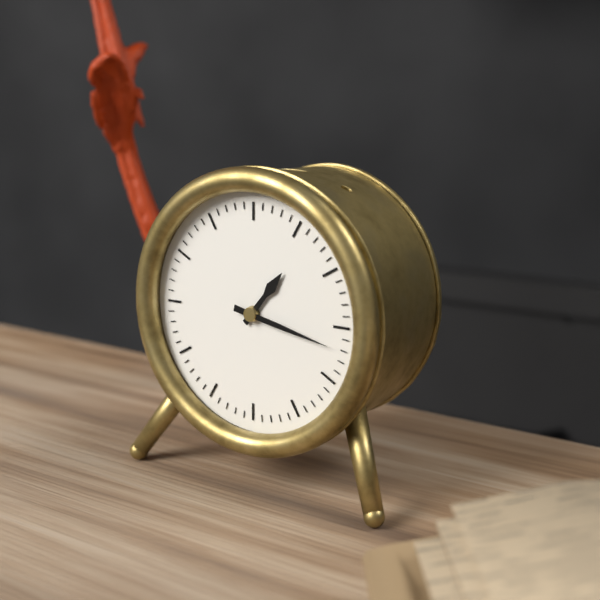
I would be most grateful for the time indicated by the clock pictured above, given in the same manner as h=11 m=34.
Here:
h=1 m=17
